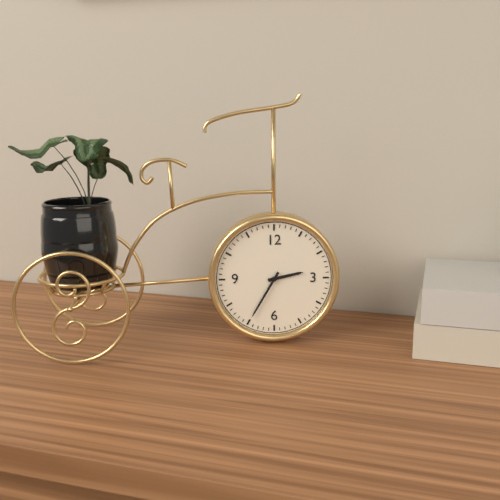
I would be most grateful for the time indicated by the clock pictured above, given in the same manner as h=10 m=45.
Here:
h=2 m=35
